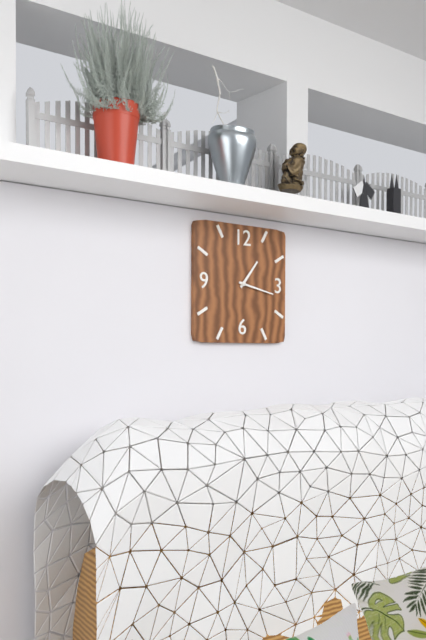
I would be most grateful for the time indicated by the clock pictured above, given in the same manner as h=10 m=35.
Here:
h=1 m=17
